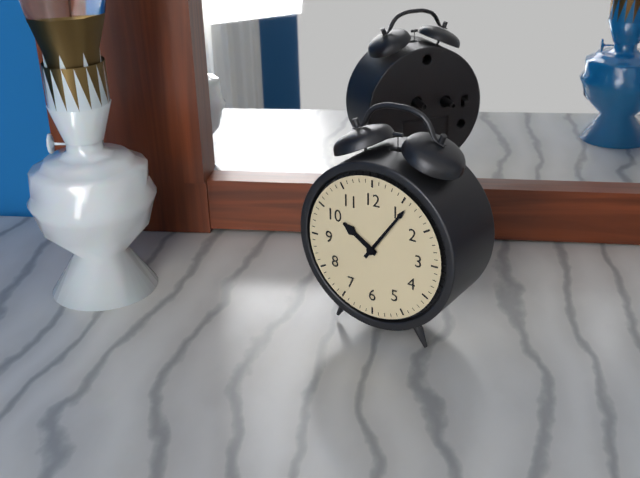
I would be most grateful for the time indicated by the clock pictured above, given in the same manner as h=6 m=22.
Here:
h=10 m=6
